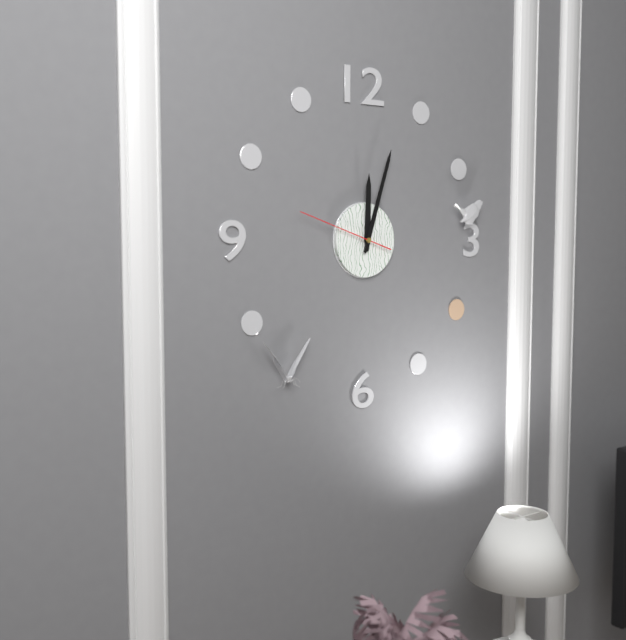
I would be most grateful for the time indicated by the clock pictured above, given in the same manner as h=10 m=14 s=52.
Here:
h=12 m=3 s=48
